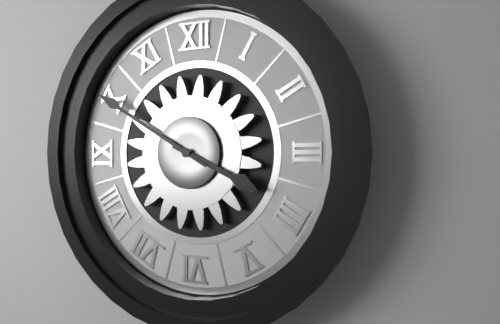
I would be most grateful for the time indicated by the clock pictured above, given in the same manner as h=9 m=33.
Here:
h=3 m=50
